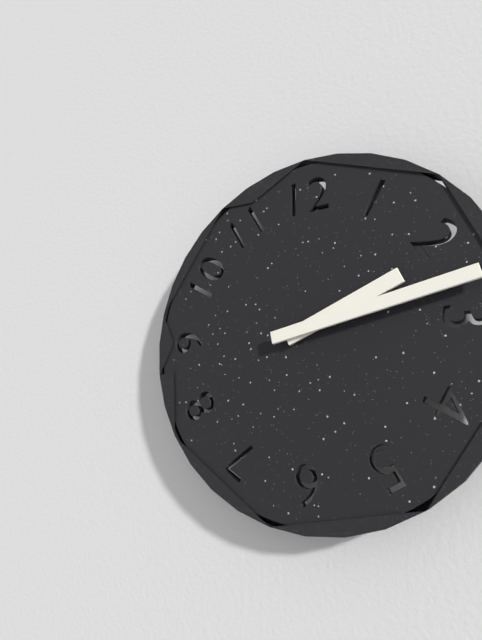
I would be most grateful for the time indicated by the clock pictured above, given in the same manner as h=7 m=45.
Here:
h=2 m=13
